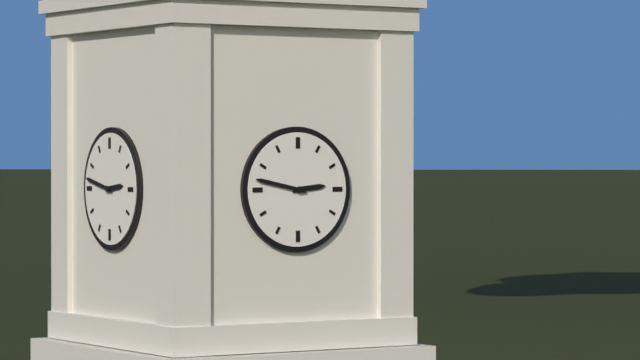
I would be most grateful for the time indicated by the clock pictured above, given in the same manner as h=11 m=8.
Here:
h=2 m=47
